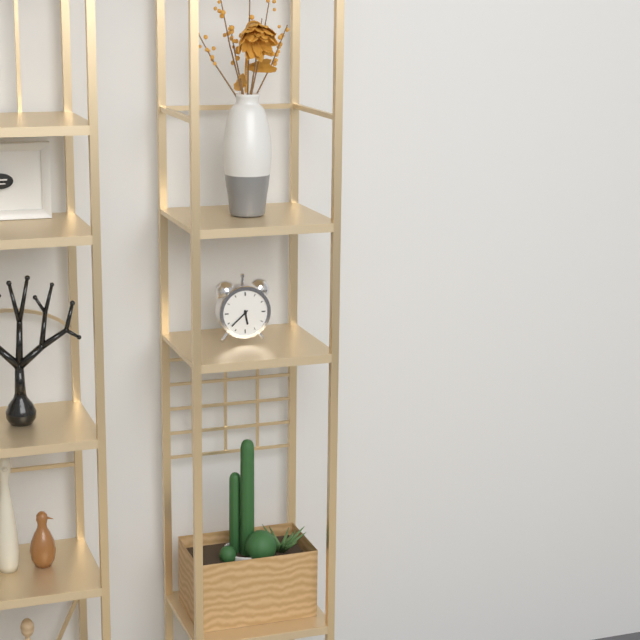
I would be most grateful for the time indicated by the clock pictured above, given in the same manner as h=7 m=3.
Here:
h=5 m=38
